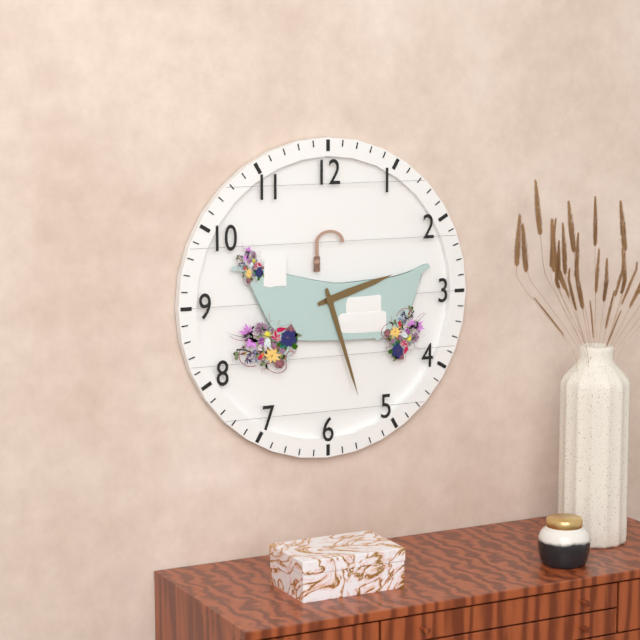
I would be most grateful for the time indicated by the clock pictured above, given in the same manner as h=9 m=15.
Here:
h=2 m=27
